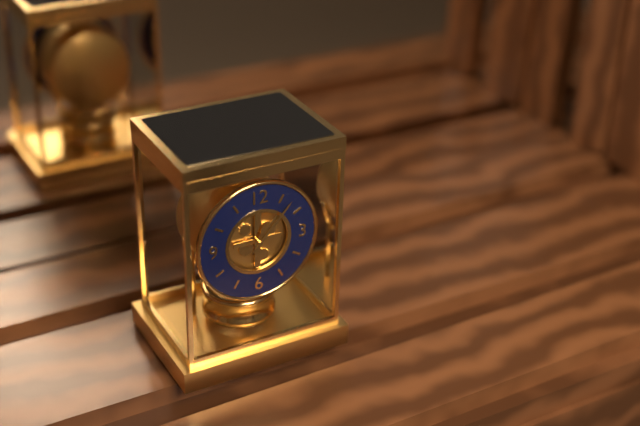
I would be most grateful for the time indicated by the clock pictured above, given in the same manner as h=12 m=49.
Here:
h=1 m=7
